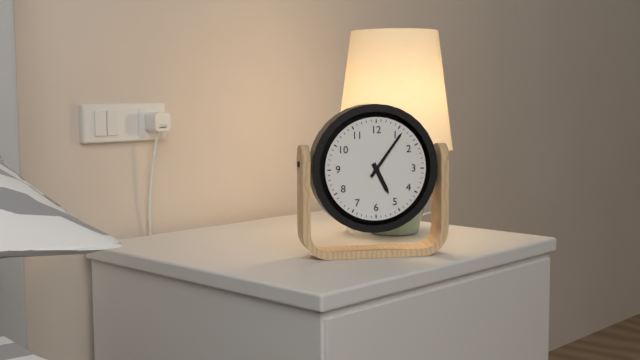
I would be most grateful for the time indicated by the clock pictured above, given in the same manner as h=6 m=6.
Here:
h=5 m=6
